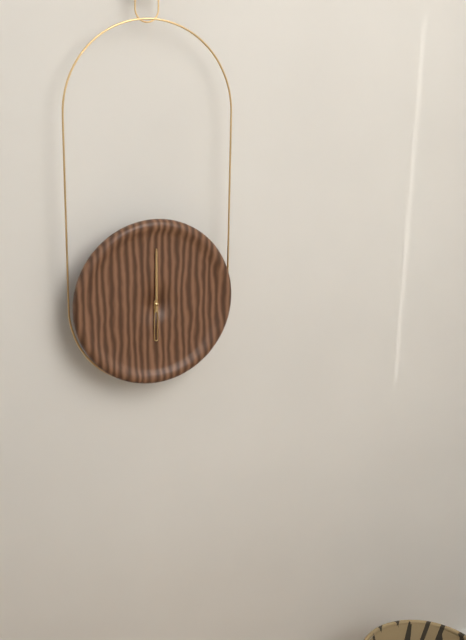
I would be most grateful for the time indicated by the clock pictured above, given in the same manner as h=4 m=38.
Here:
h=6 m=0
